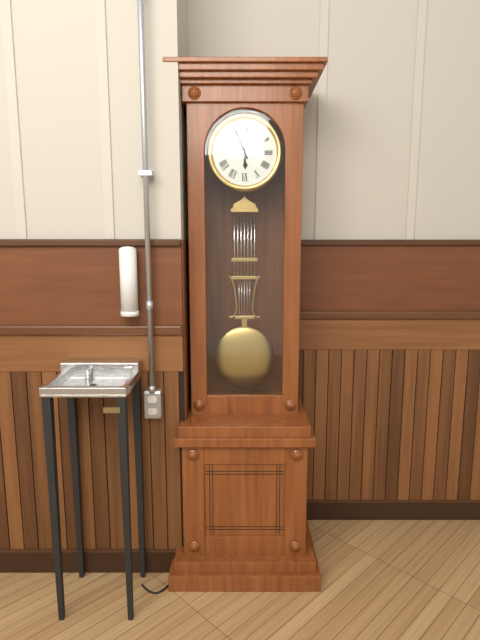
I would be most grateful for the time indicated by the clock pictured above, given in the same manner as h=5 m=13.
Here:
h=5 m=56
